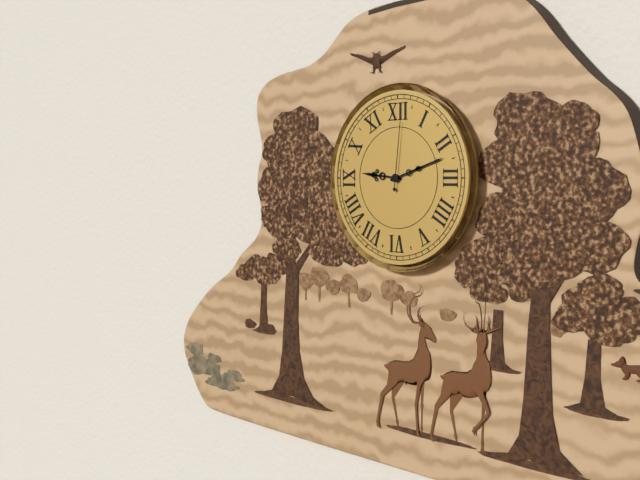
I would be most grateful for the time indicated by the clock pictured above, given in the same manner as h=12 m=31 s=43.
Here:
h=9 m=12 s=1
